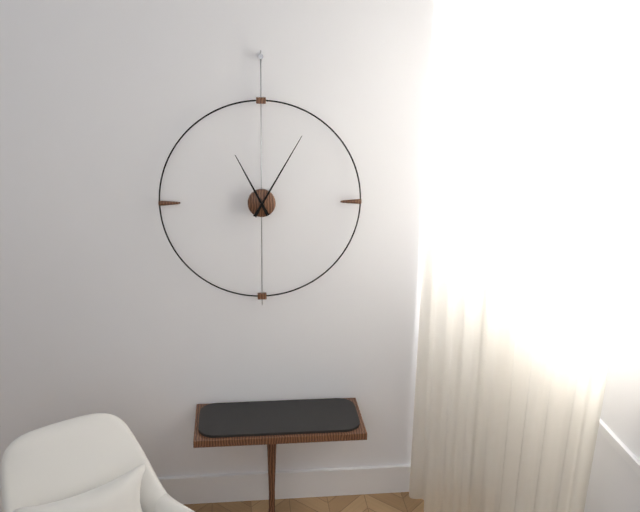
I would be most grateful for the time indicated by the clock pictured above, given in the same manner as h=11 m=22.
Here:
h=11 m=5
